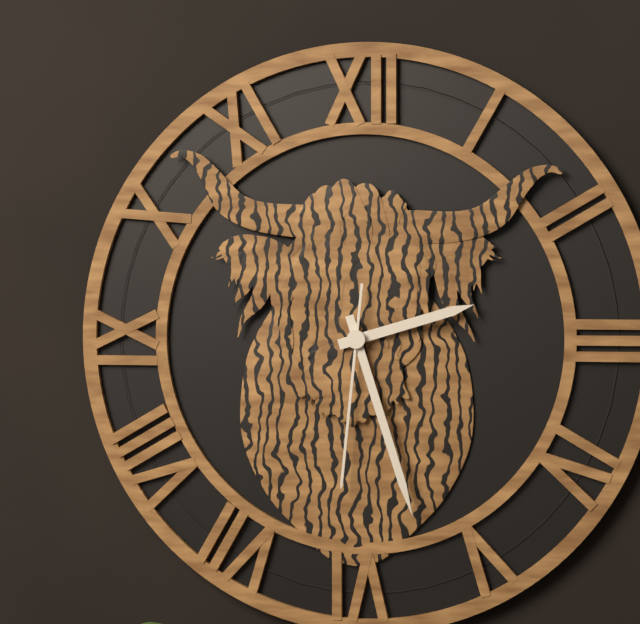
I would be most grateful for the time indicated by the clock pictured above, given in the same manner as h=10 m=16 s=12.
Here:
h=2 m=27 s=31
